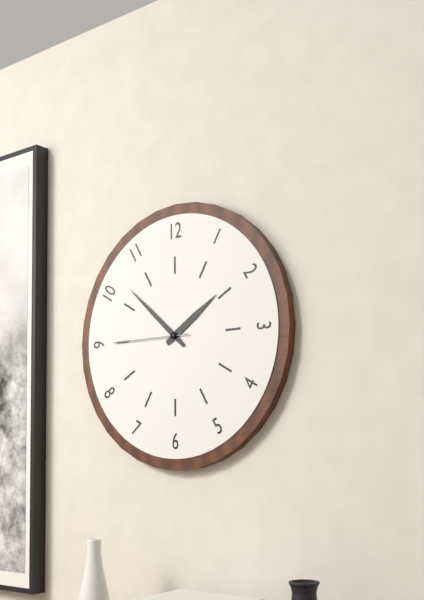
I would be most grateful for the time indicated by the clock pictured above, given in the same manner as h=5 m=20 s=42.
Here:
h=1 m=52 s=45
